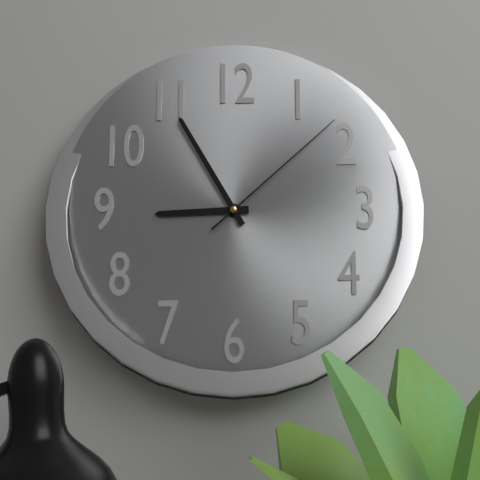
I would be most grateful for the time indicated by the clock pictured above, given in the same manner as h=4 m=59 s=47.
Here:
h=8 m=55 s=8
